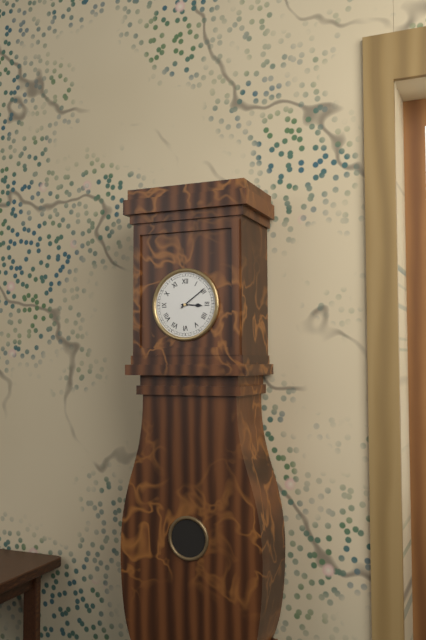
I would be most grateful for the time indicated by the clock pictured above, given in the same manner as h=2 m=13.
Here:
h=3 m=9
